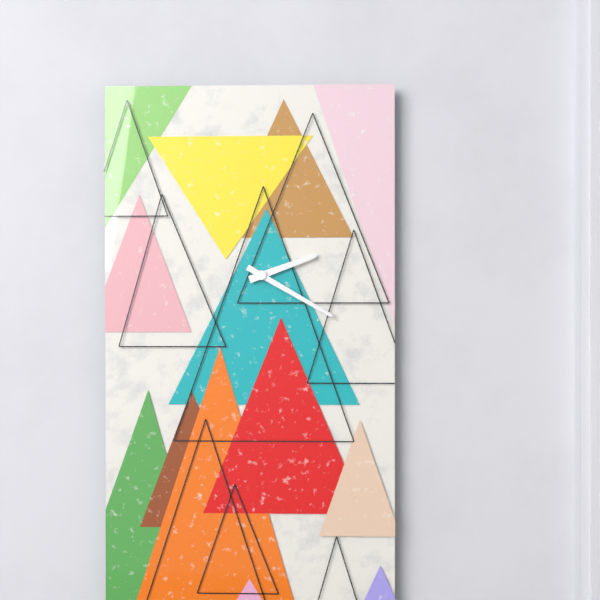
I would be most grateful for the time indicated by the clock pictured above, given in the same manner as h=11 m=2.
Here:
h=2 m=20
